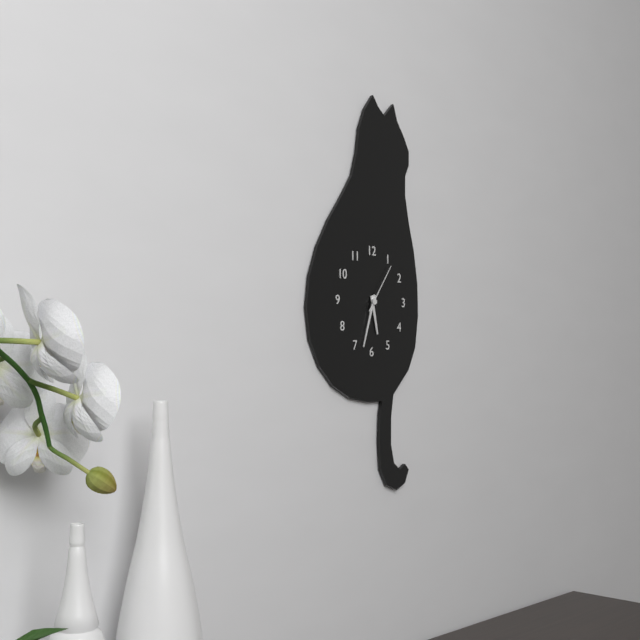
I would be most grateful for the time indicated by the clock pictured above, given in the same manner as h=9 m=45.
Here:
h=5 m=33
